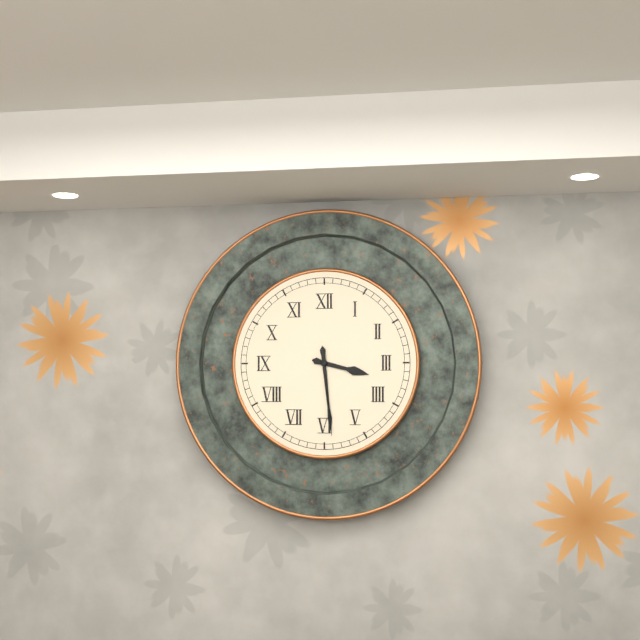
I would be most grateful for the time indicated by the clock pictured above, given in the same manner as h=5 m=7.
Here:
h=3 m=29
